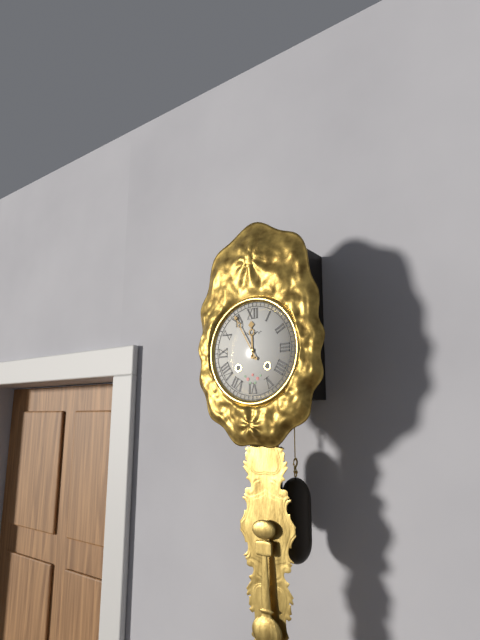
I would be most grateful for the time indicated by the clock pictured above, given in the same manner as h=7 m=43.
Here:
h=11 m=55
